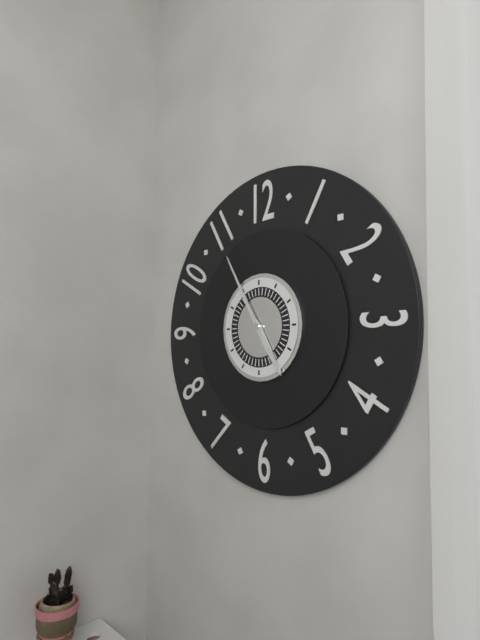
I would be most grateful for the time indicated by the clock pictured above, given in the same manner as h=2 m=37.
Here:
h=4 m=55
